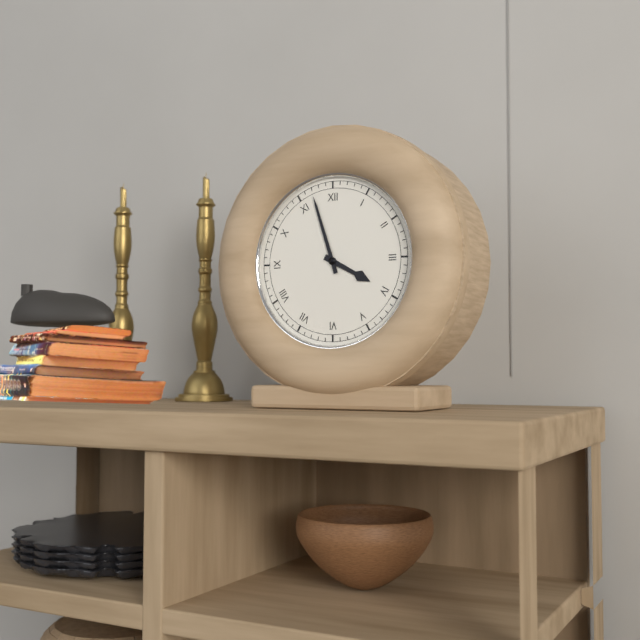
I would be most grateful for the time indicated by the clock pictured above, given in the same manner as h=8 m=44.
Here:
h=3 m=57
